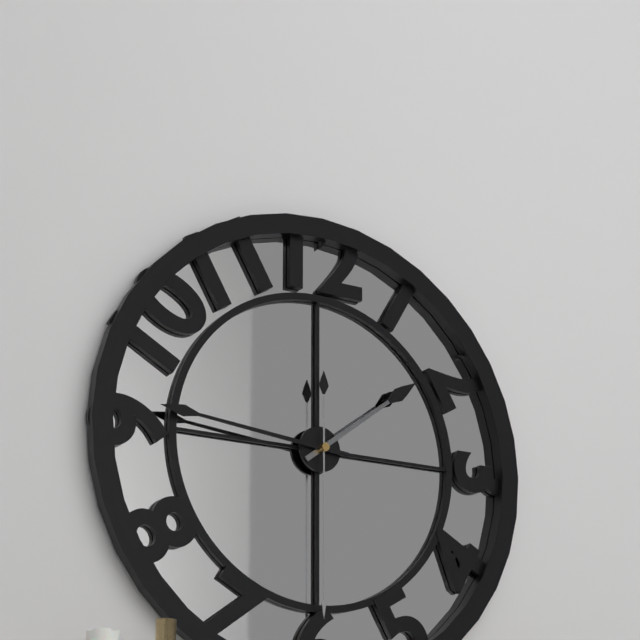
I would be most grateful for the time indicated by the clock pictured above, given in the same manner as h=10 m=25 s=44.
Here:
h=1 m=46 s=30
